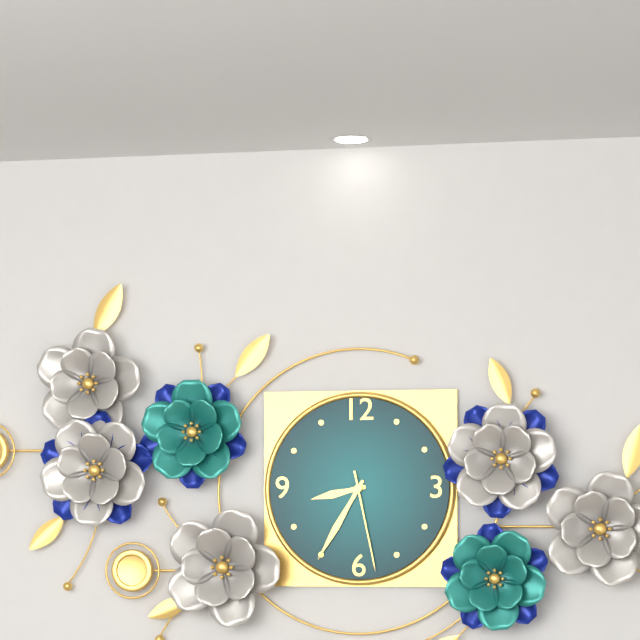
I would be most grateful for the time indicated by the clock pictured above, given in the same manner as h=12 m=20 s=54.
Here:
h=8 m=35 s=28
